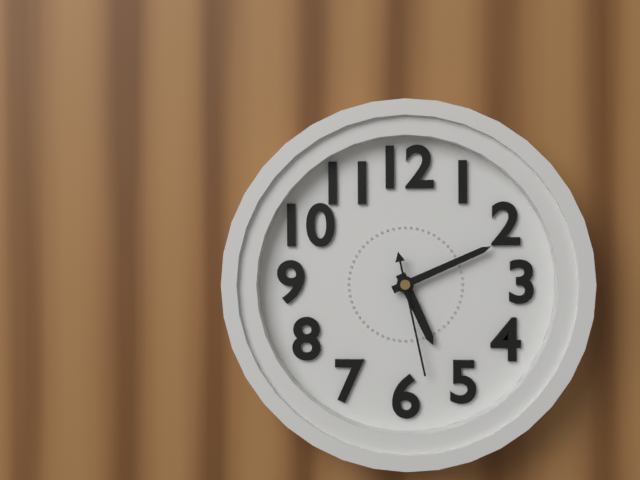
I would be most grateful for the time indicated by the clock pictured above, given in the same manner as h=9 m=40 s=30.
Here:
h=5 m=11 s=28
